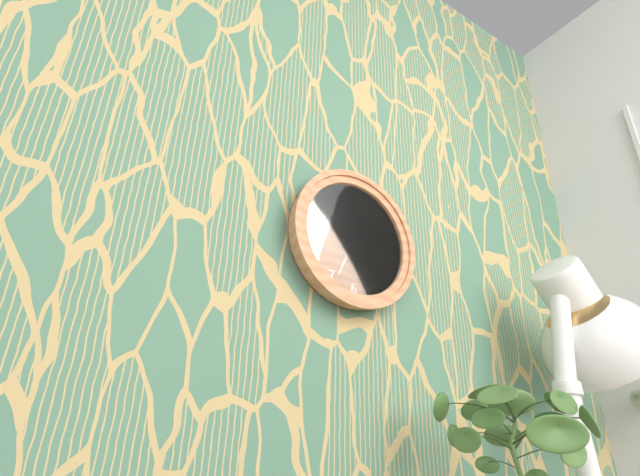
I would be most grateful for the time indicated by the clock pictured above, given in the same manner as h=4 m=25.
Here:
h=5 m=34
